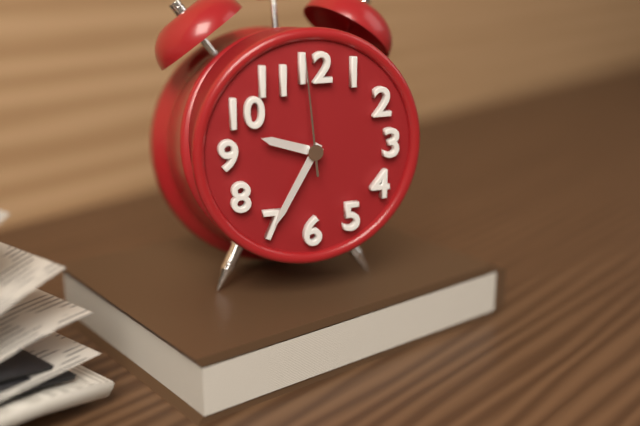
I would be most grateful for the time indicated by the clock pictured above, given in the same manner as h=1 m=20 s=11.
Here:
h=9 m=35 s=59
